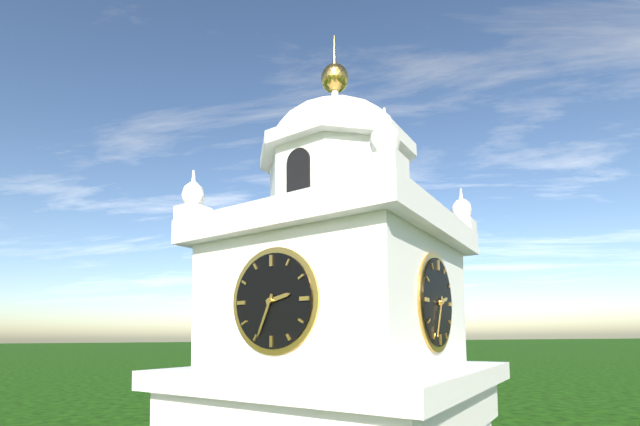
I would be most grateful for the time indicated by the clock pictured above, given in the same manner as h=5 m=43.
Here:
h=2 m=34
